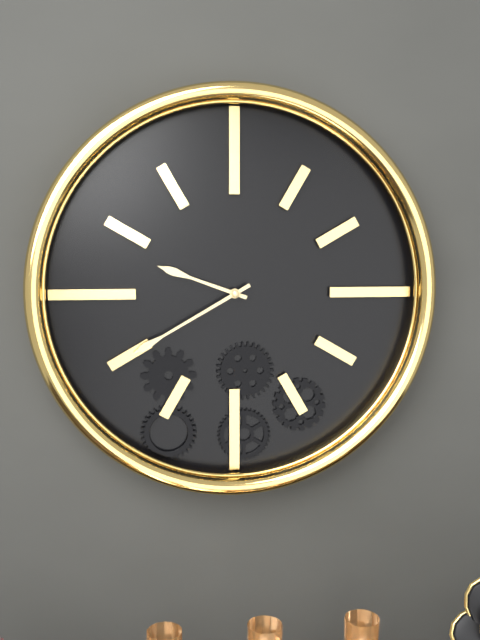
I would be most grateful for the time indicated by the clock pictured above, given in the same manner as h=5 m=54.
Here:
h=9 m=40
